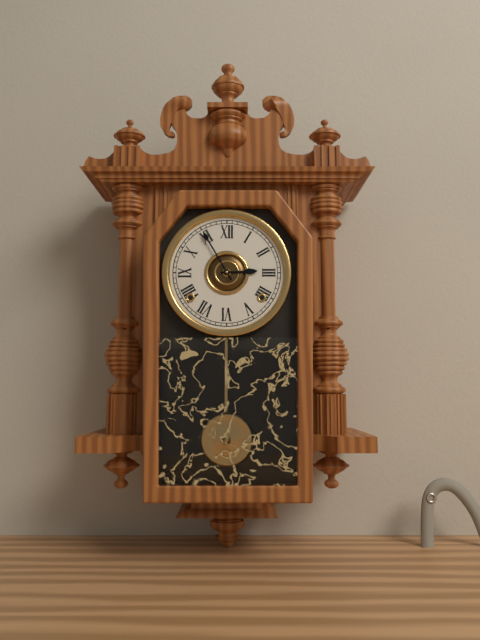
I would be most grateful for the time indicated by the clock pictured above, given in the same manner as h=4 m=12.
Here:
h=2 m=55
